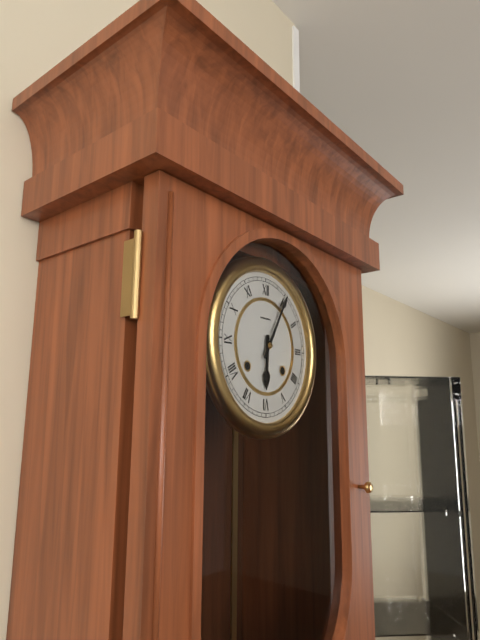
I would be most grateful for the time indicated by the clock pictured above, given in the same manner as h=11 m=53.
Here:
h=6 m=5
